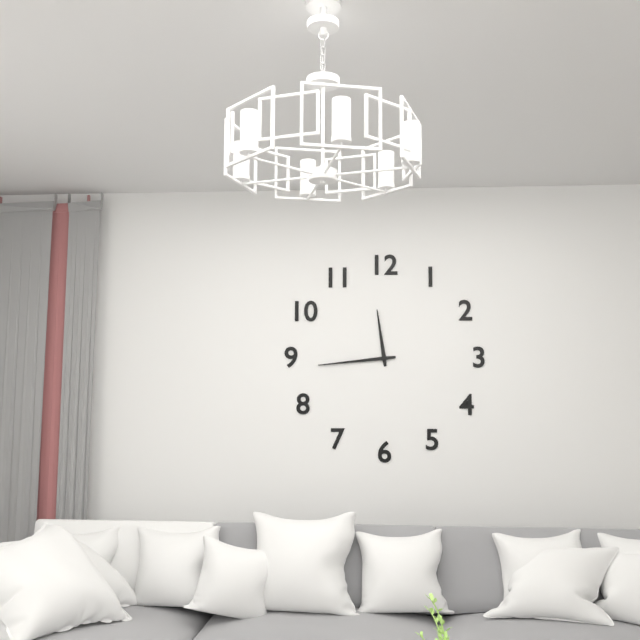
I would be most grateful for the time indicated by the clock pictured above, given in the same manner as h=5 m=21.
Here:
h=11 m=44
